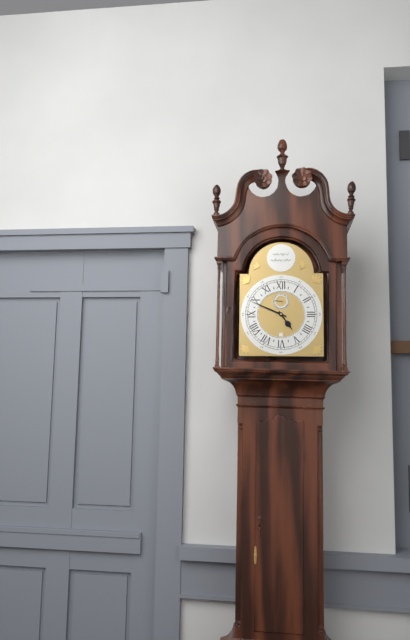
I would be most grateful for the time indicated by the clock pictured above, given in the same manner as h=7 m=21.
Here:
h=4 m=49
